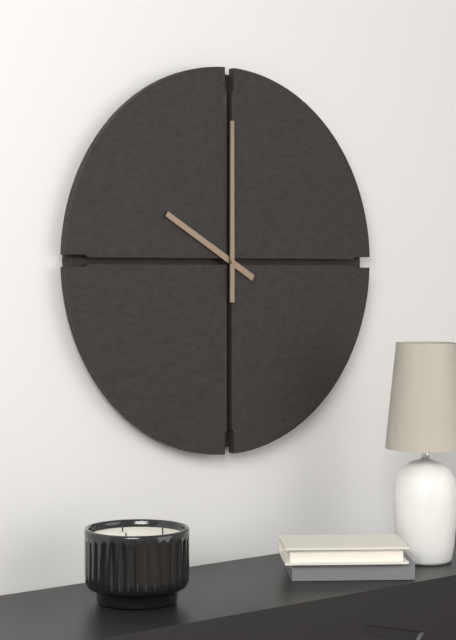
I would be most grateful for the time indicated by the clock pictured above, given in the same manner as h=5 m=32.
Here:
h=10 m=0
